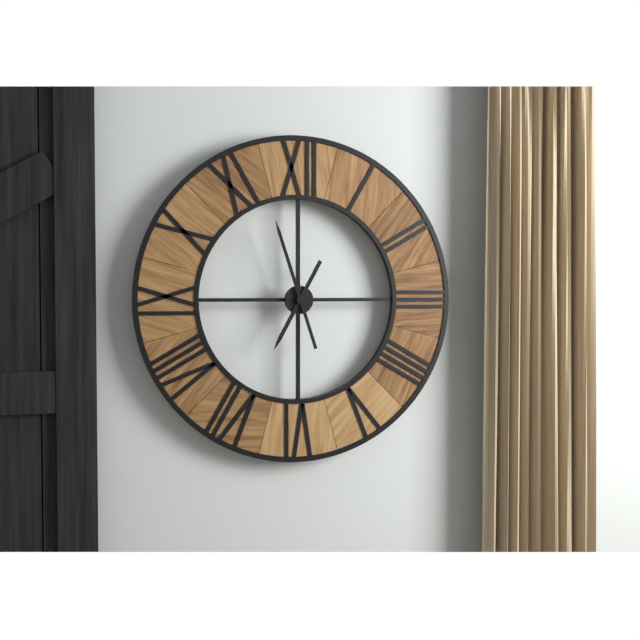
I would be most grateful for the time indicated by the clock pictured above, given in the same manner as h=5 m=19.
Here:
h=6 m=57
